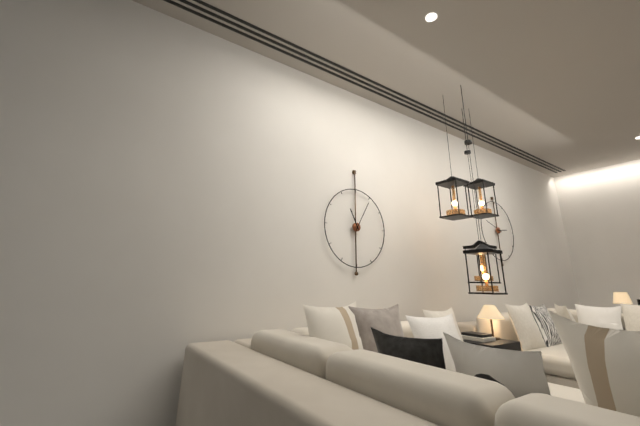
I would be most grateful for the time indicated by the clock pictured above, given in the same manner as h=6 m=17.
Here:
h=11 m=5
